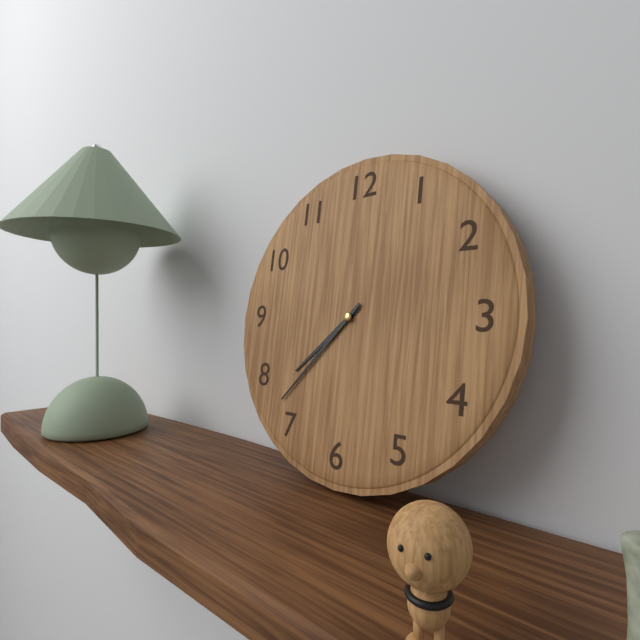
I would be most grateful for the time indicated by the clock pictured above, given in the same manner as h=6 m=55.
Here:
h=7 m=37
